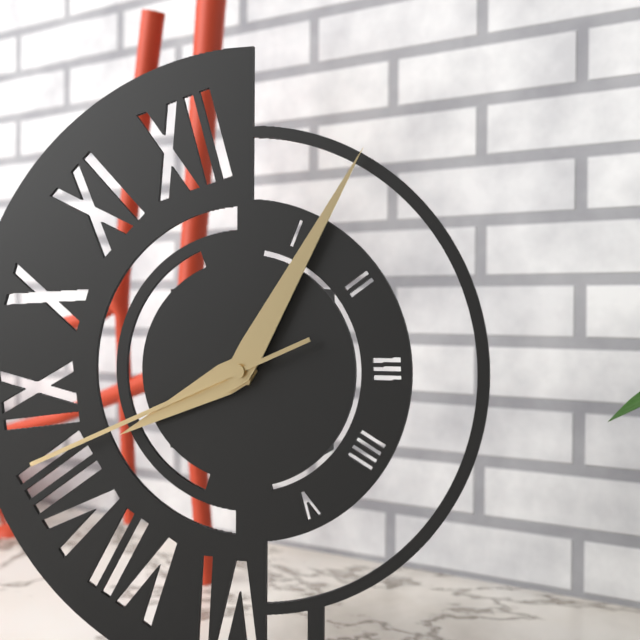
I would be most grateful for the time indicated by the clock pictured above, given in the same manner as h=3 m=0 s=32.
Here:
h=8 m=5 s=41
